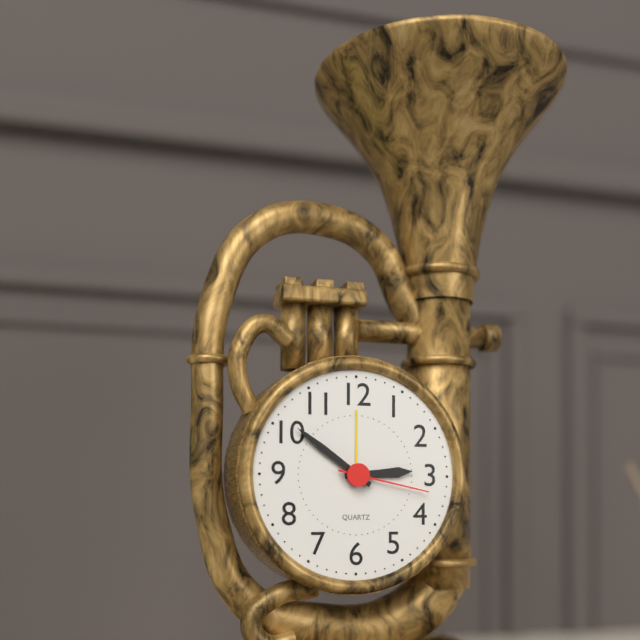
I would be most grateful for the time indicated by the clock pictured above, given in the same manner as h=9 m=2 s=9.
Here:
h=2 m=51 s=17
